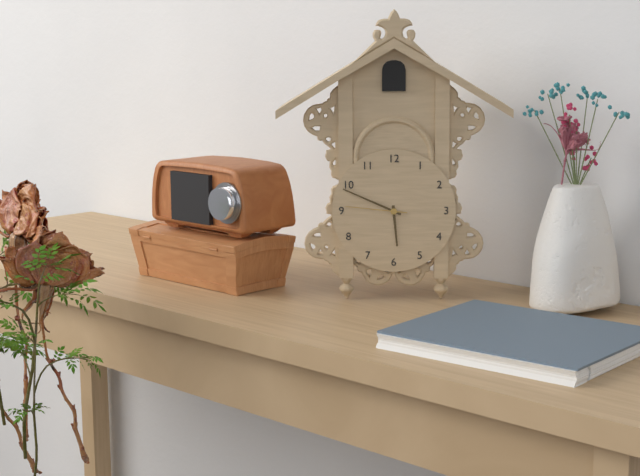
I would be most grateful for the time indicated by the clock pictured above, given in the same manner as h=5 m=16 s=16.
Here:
h=5 m=49 s=46
